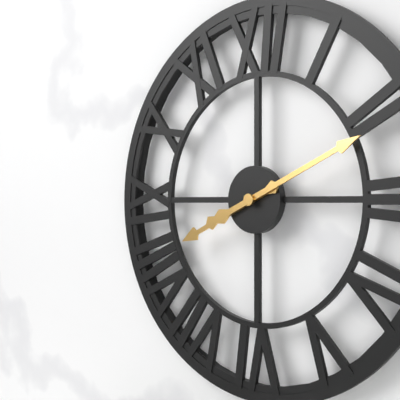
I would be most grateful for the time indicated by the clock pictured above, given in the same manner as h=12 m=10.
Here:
h=8 m=11
